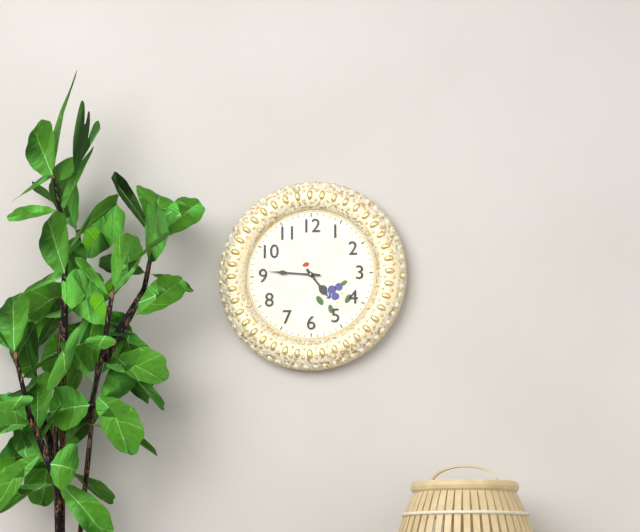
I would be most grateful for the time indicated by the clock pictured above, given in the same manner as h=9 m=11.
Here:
h=4 m=46
